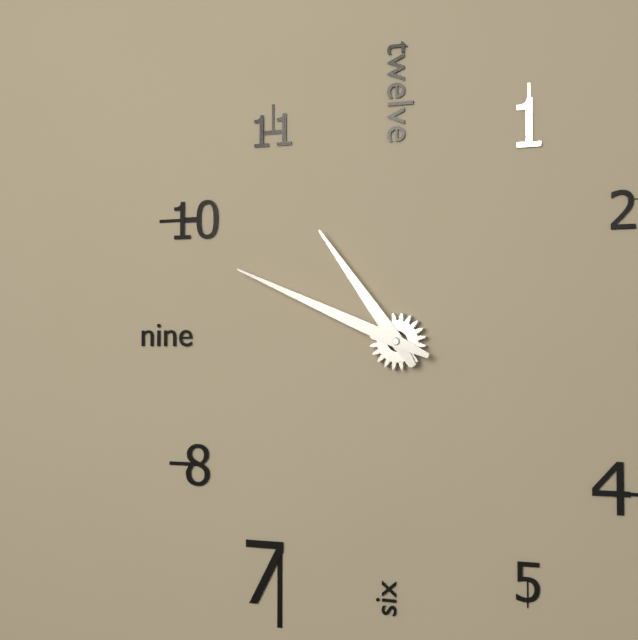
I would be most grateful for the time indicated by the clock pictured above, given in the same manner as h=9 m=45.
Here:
h=10 m=49
